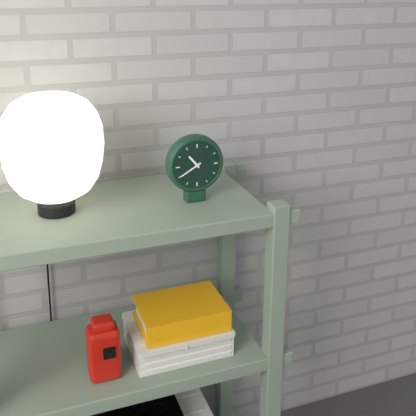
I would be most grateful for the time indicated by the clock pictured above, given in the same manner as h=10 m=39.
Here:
h=10 m=40
